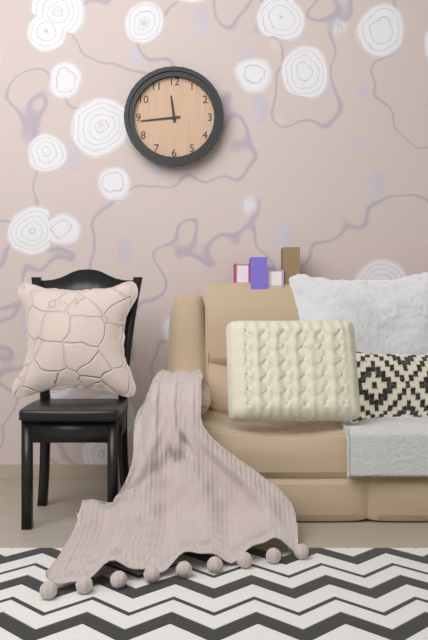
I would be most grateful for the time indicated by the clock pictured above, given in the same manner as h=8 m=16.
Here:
h=11 m=44
